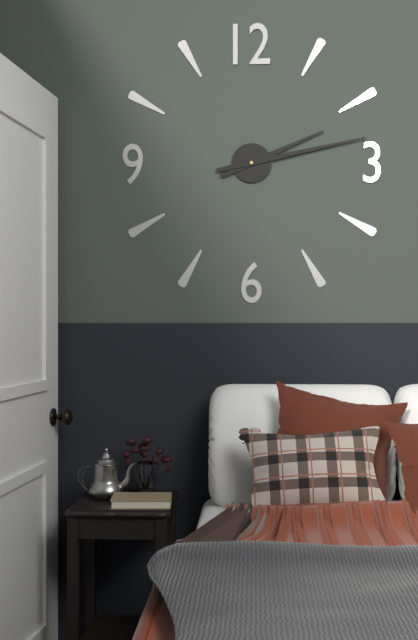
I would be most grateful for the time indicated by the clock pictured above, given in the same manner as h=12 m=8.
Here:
h=2 m=13
